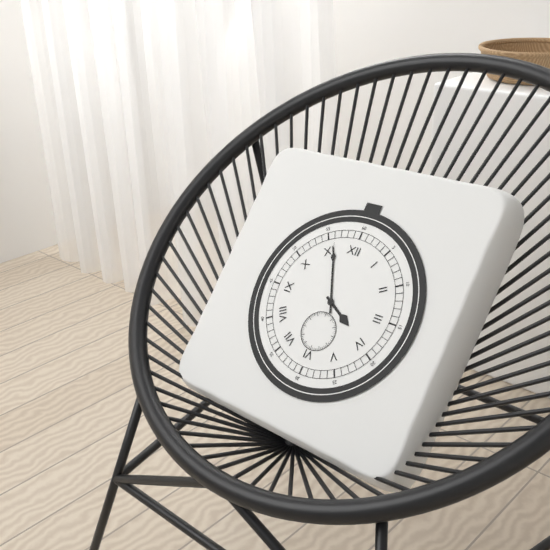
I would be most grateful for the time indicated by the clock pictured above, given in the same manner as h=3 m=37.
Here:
h=3 m=56
